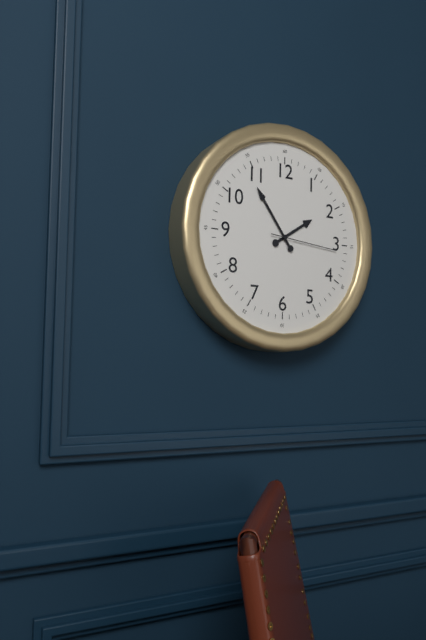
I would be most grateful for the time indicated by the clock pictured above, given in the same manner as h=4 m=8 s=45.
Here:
h=1 m=54 s=16
